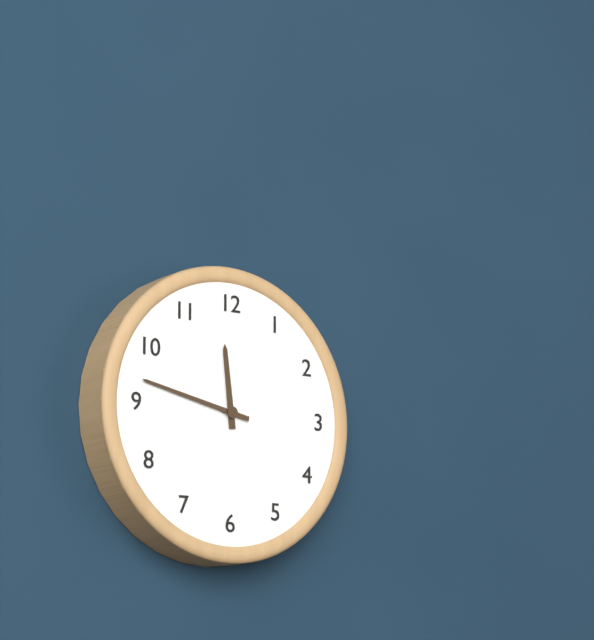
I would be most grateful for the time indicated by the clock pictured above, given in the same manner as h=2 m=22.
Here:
h=11 m=47
